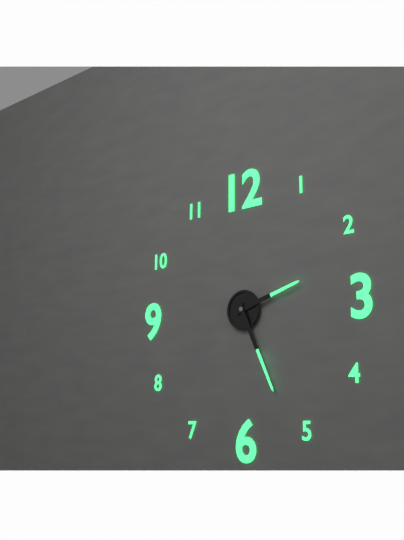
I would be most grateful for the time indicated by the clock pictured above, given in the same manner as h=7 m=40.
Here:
h=2 m=26
